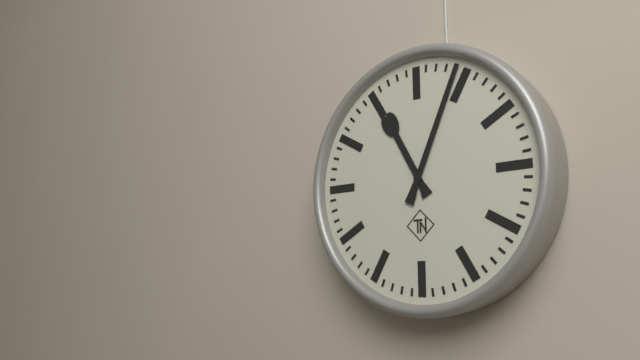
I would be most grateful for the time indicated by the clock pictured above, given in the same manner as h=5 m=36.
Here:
h=11 m=4
